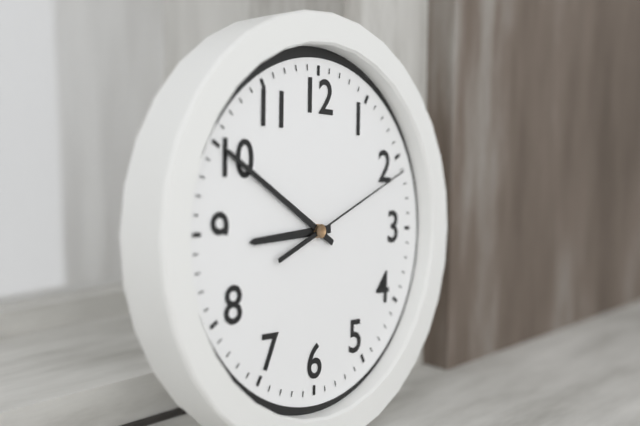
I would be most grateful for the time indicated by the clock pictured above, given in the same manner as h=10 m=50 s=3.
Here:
h=8 m=50 s=11
